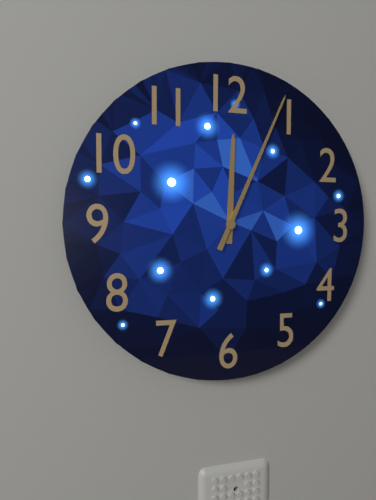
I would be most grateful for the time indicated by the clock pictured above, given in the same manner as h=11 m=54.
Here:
h=12 m=4
